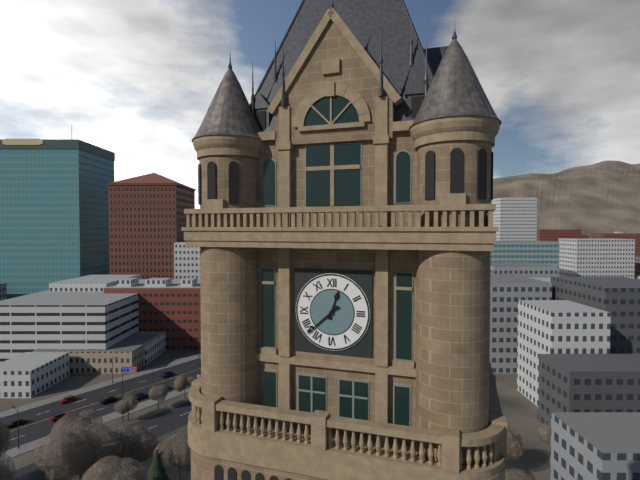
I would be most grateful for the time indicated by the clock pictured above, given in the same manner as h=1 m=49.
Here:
h=12 m=38
